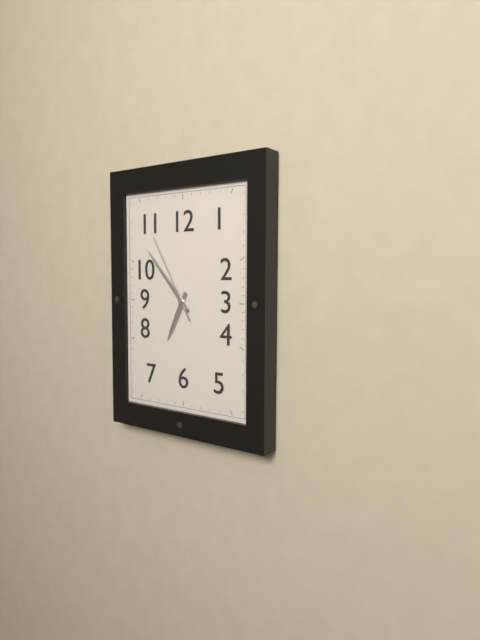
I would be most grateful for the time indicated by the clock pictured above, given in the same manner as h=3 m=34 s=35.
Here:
h=6 m=53 s=55
